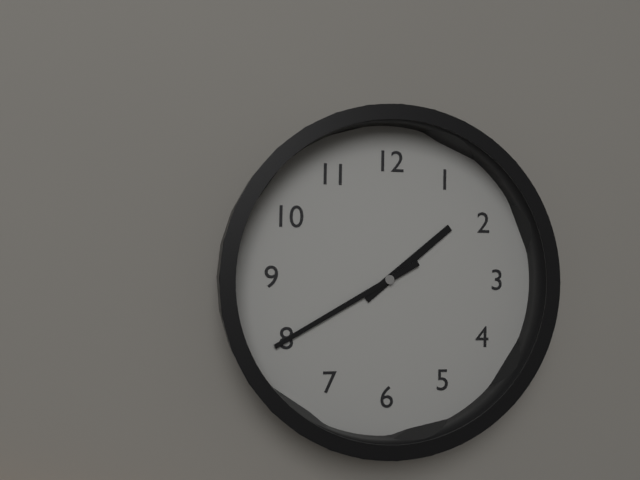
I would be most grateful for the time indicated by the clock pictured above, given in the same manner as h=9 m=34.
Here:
h=1 m=40
